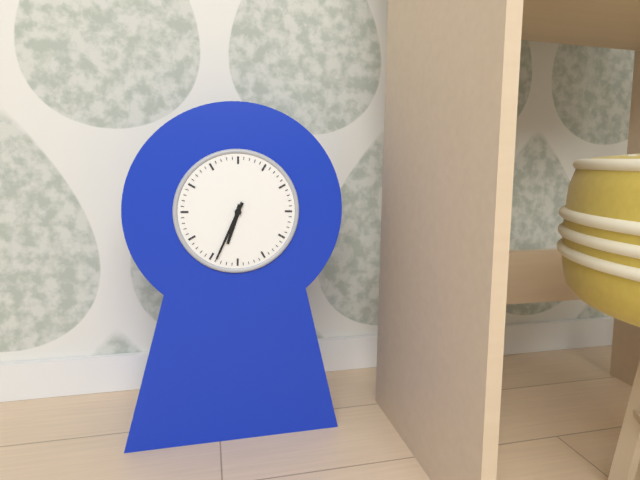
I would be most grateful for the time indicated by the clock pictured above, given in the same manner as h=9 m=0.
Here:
h=6 m=34
